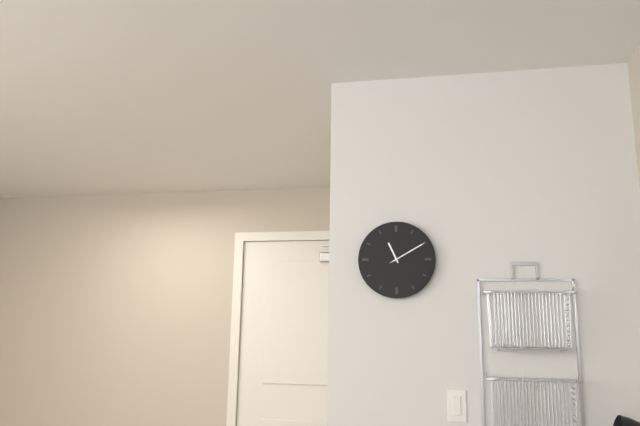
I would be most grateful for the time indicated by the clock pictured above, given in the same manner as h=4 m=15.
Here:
h=11 m=10
